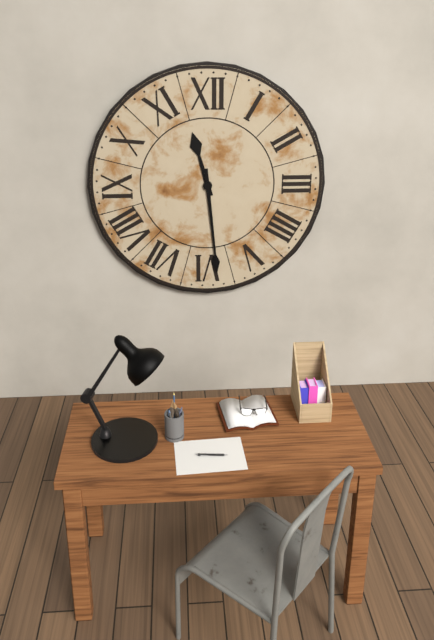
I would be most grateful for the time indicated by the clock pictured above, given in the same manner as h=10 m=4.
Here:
h=11 m=29
